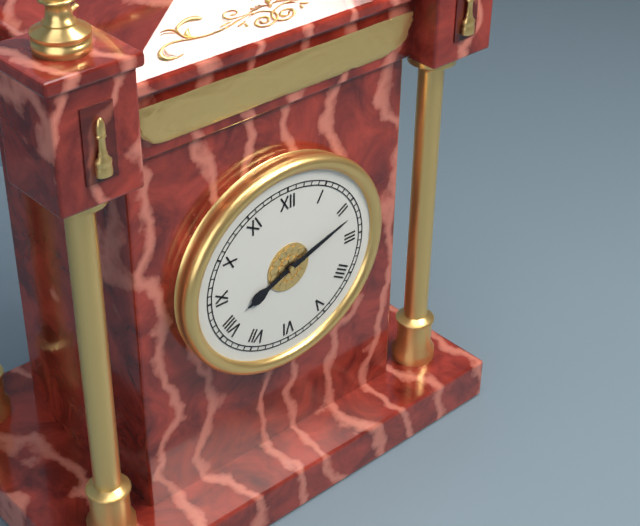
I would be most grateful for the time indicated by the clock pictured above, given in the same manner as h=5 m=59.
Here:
h=8 m=12
